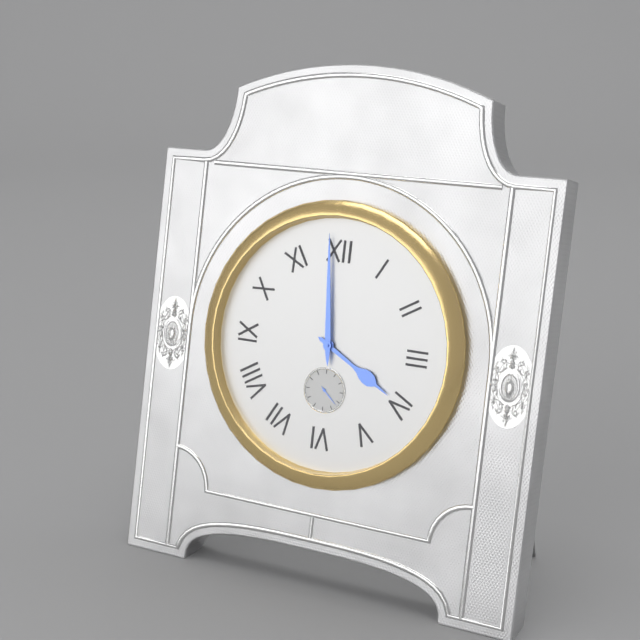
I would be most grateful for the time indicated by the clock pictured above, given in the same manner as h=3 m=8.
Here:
h=3 m=59
